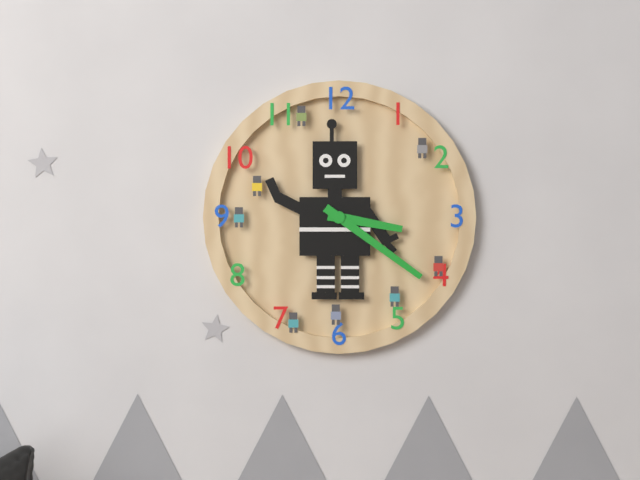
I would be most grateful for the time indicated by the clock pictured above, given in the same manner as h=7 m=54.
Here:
h=3 m=21
